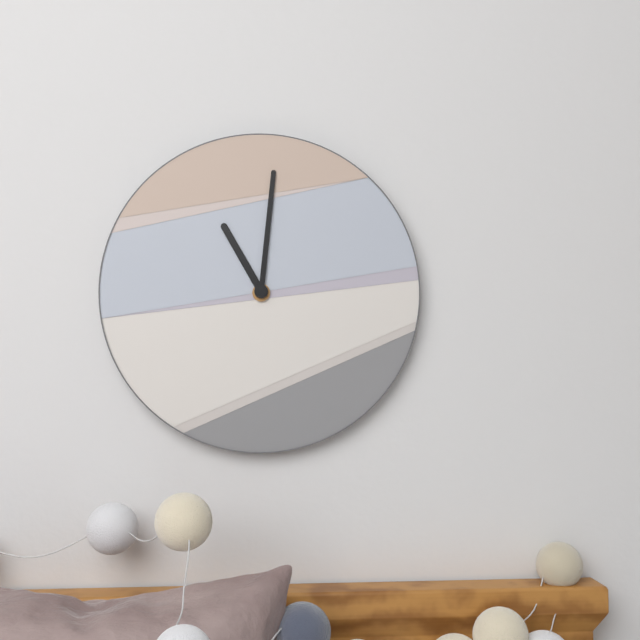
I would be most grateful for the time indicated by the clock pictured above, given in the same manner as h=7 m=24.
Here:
h=11 m=1
